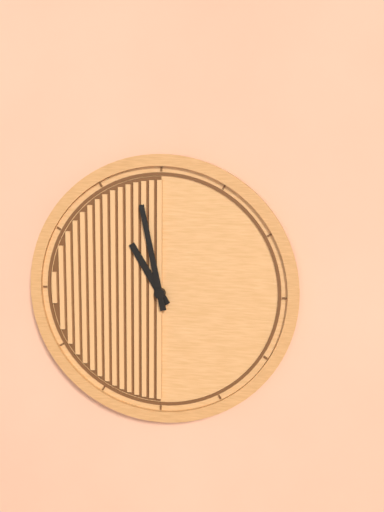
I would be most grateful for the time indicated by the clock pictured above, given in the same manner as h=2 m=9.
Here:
h=10 m=58
